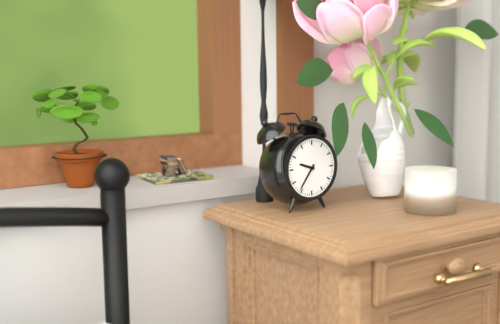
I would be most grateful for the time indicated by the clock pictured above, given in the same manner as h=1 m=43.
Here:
h=9 m=36
